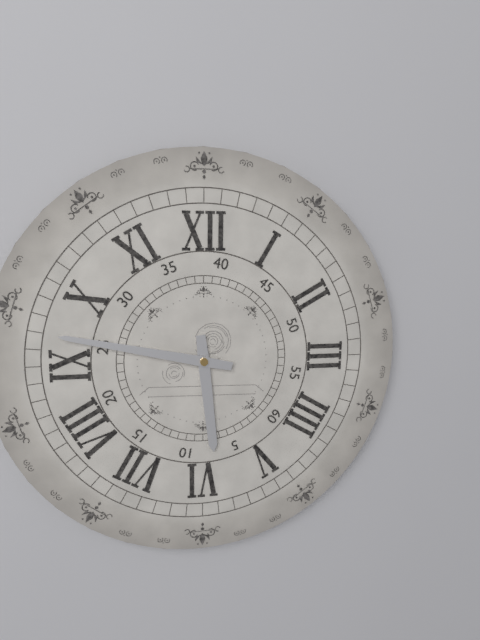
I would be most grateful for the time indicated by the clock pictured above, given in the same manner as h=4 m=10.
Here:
h=5 m=47
